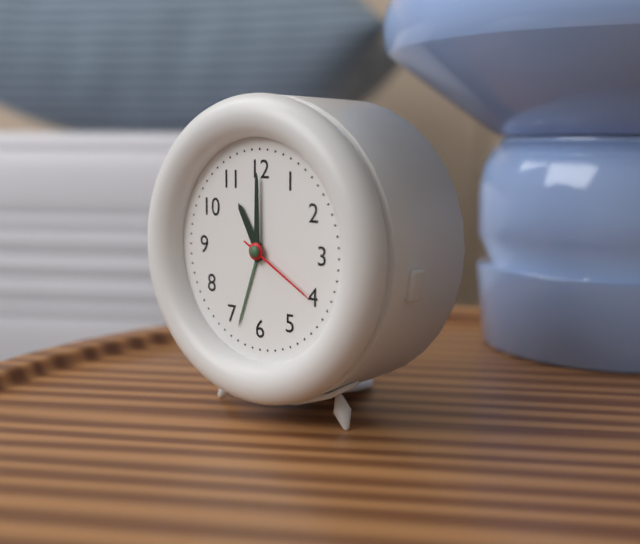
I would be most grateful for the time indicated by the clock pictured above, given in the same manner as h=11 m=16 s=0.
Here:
h=11 m=0 s=20
